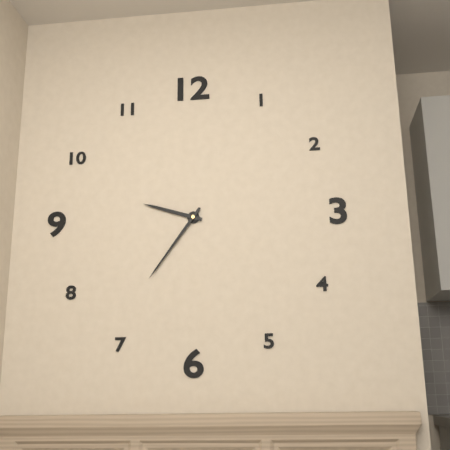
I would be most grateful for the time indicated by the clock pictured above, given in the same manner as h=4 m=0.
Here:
h=9 m=36
